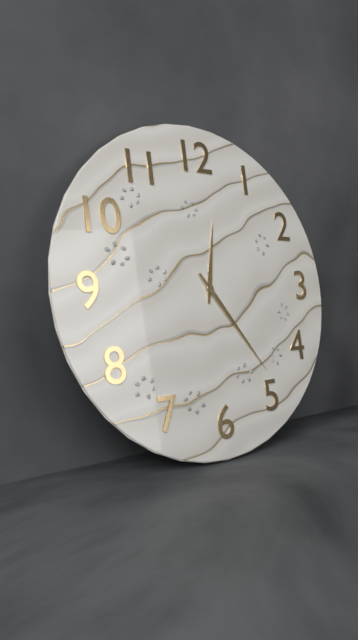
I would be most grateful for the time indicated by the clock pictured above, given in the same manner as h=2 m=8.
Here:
h=12 m=24
